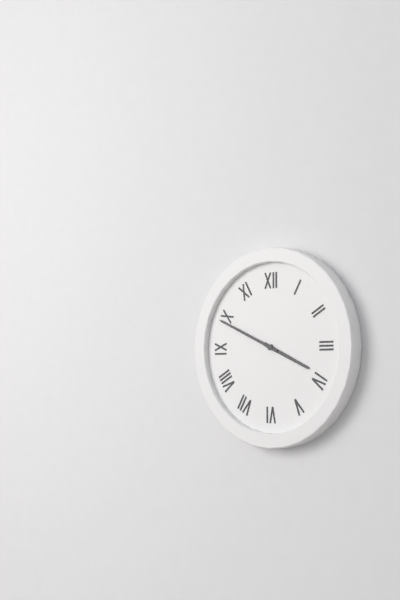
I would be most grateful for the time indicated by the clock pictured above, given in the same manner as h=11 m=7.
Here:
h=3 m=49
